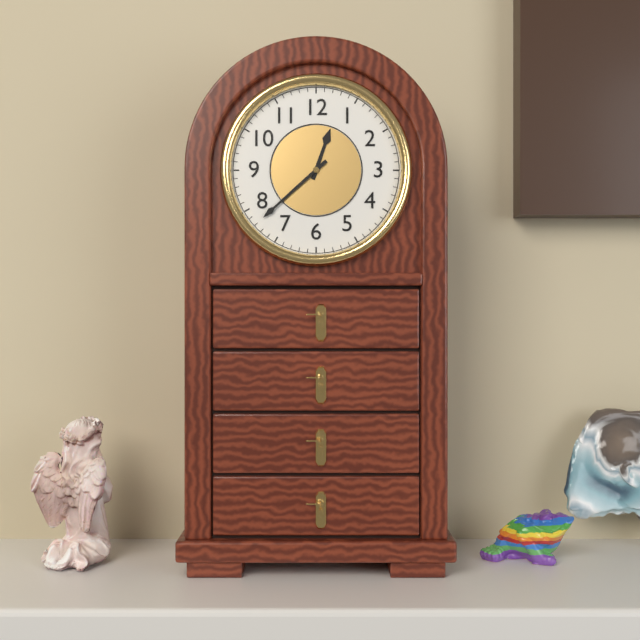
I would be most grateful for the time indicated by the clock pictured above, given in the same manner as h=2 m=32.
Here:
h=12 m=38
